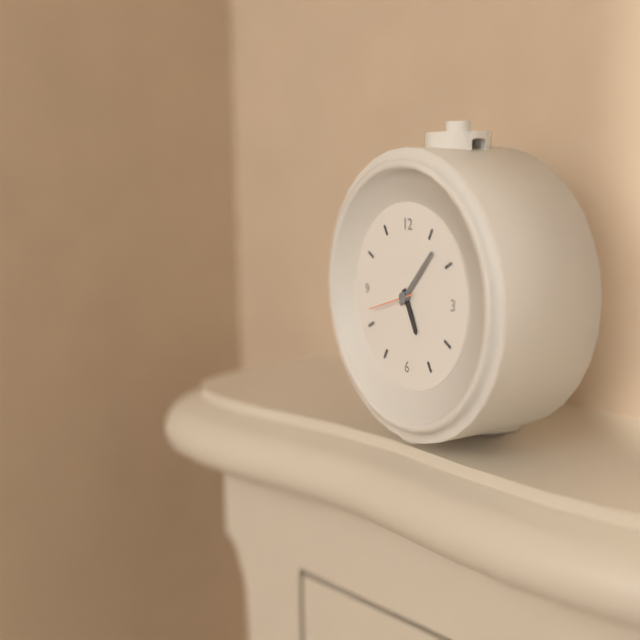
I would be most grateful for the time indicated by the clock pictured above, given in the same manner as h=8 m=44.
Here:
h=5 m=7
